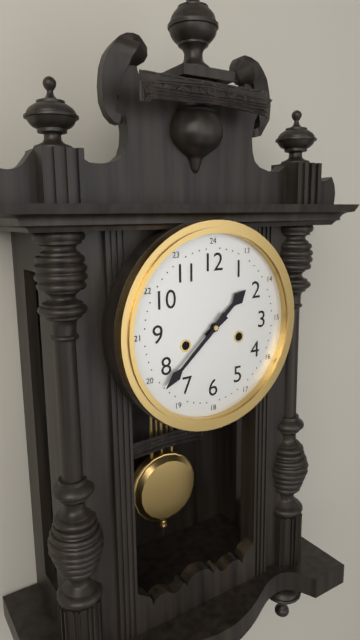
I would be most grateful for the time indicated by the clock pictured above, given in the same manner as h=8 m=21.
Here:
h=1 m=38
